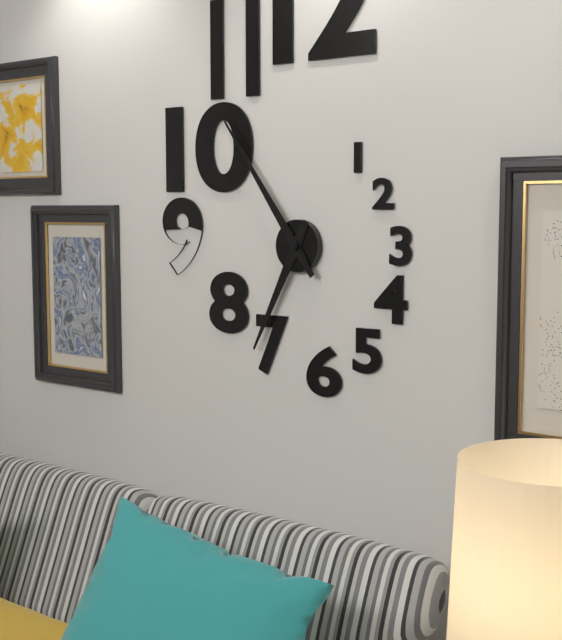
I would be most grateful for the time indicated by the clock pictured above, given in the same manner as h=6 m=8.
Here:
h=6 m=54
